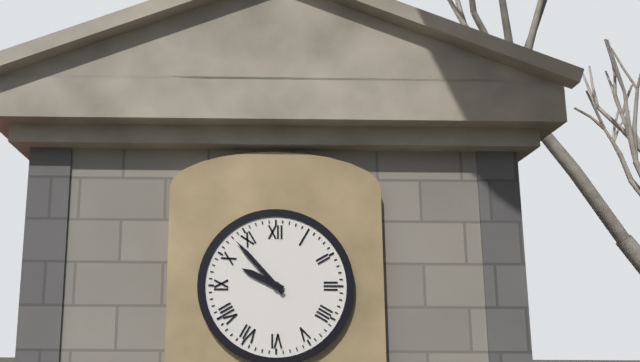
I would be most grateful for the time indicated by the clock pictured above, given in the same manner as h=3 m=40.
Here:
h=9 m=53
